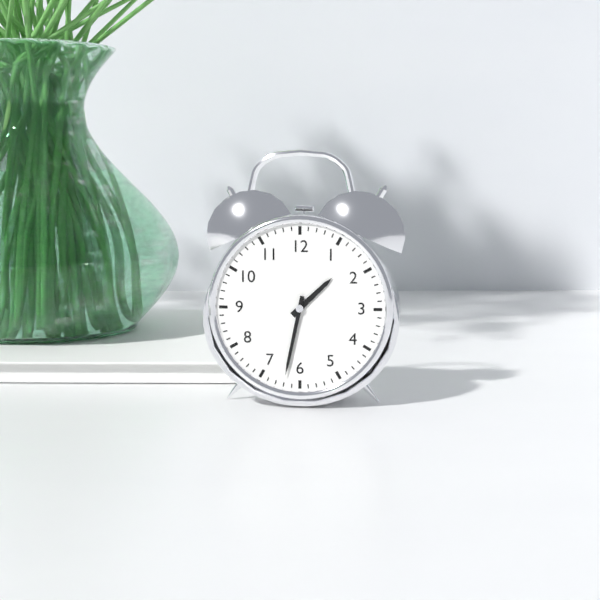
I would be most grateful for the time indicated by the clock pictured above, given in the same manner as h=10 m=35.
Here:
h=1 m=32
